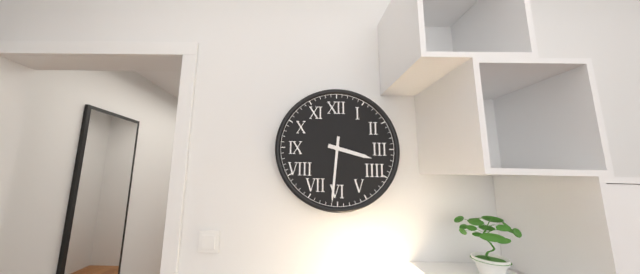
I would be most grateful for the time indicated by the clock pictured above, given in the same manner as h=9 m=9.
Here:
h=3 m=31
